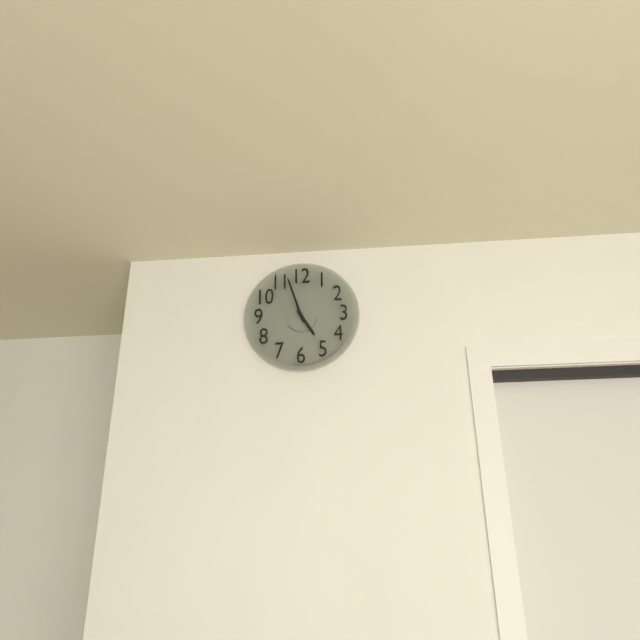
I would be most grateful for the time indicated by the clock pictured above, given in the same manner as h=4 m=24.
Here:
h=4 m=57
